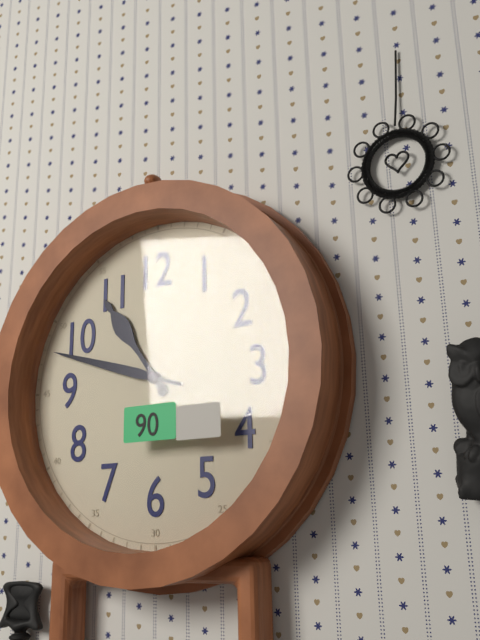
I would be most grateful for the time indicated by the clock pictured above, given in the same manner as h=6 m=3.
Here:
h=10 m=48
